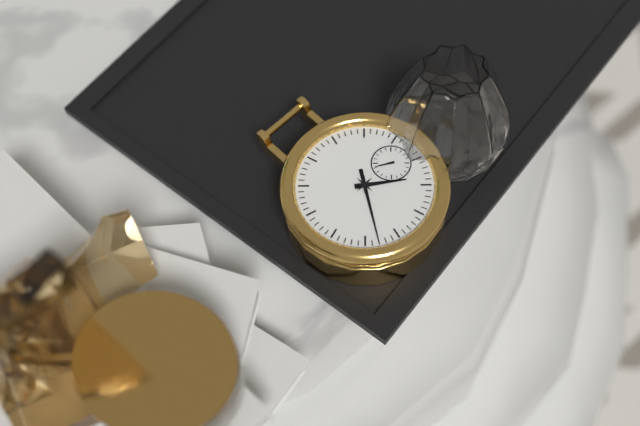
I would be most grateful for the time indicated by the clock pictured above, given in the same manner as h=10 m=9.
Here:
h=5 m=43
